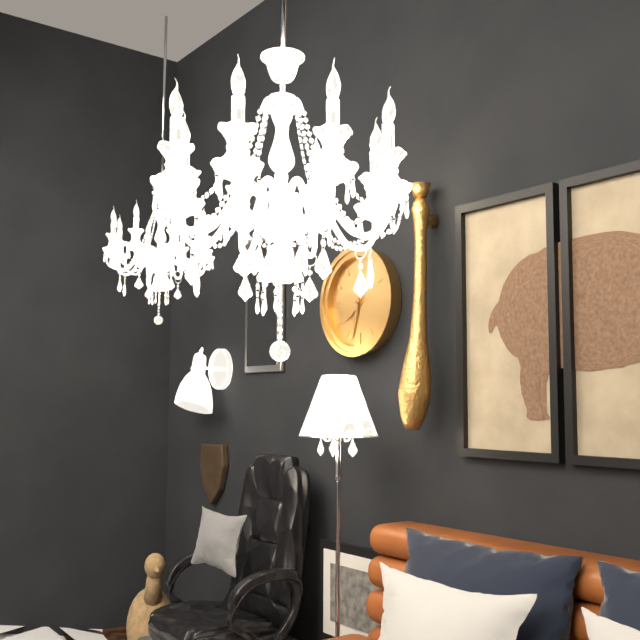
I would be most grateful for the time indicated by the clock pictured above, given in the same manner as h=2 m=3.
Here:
h=7 m=33
